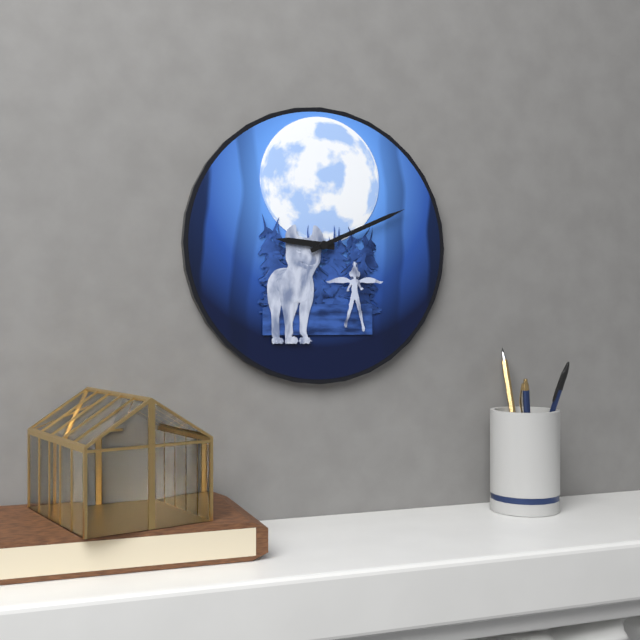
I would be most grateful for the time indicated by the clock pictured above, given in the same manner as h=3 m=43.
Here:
h=9 m=11
